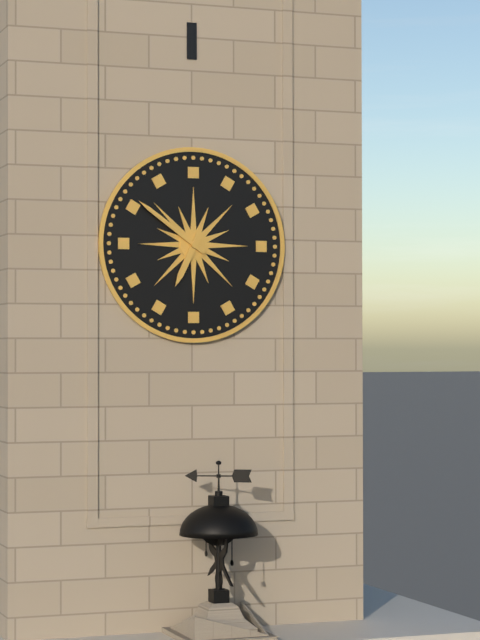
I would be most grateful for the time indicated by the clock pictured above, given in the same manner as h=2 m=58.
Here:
h=6 m=51
